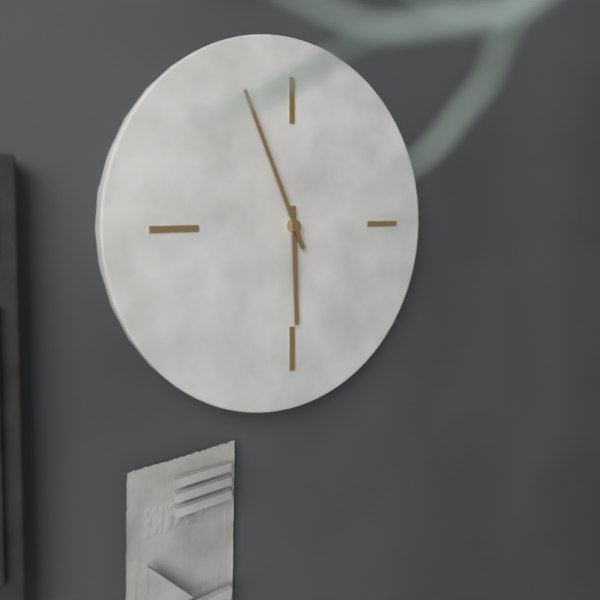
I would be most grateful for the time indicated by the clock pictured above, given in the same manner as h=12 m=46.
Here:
h=5 m=56
